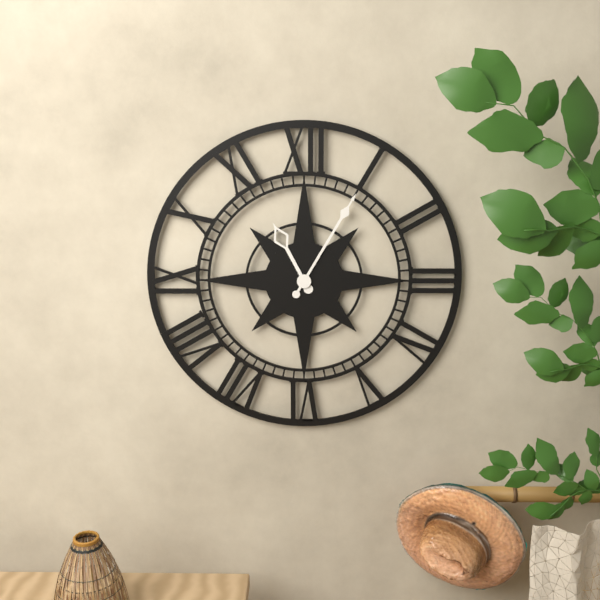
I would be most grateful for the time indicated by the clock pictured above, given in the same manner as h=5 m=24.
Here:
h=11 m=5
